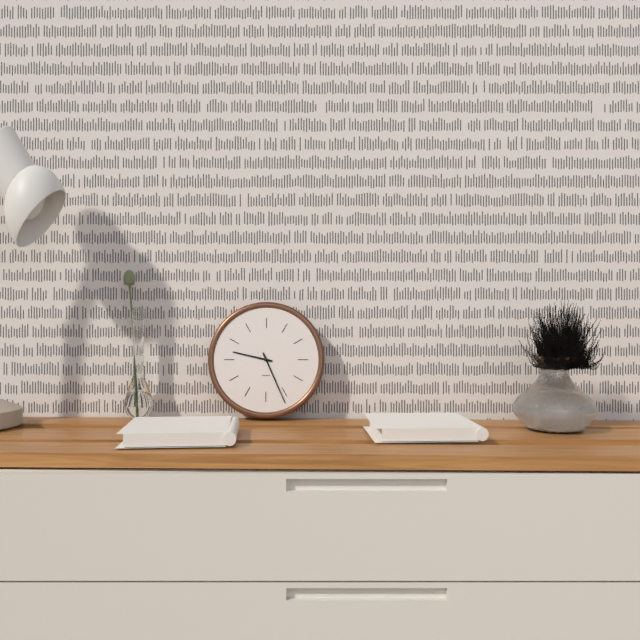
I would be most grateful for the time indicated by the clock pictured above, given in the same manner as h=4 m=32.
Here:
h=9 m=26
